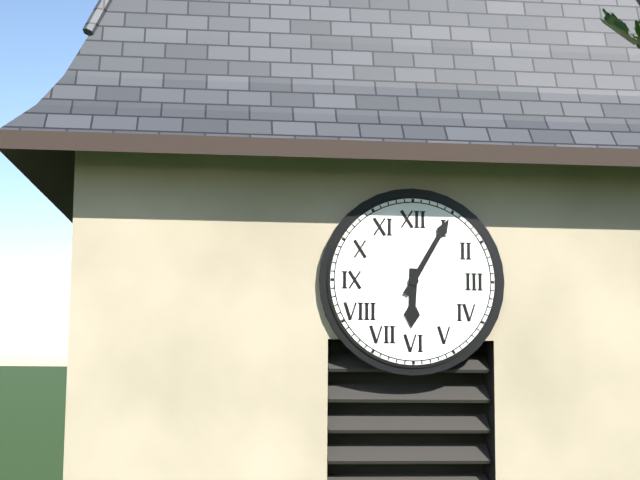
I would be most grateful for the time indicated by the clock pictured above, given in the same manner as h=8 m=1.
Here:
h=6 m=5
